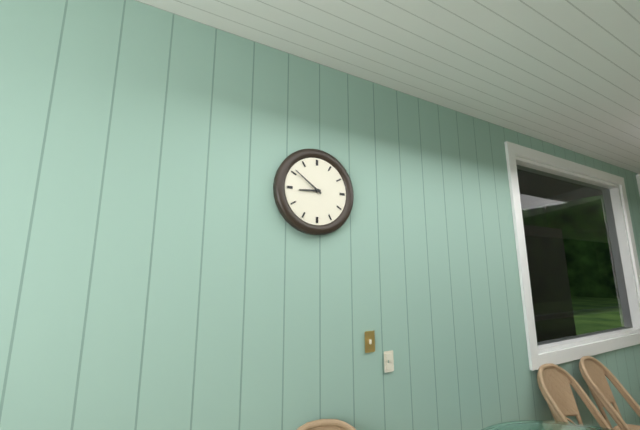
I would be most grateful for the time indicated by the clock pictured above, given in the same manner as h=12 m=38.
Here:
h=8 m=51
